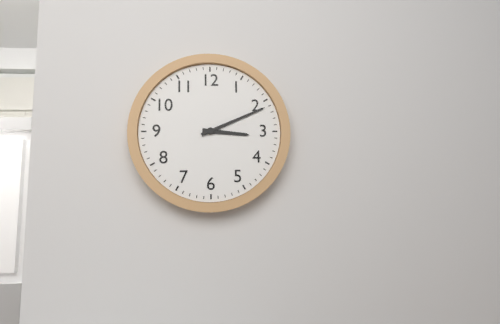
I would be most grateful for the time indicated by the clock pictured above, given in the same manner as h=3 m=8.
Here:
h=3 m=11
